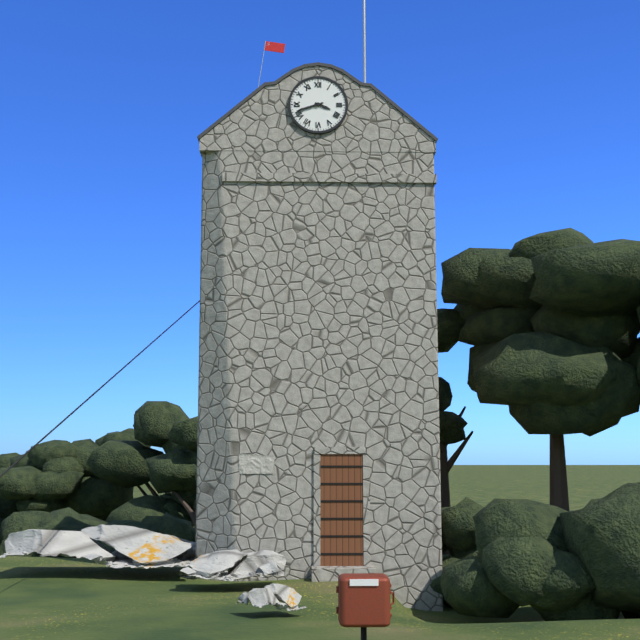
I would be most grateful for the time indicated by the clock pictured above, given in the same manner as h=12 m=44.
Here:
h=3 m=42
